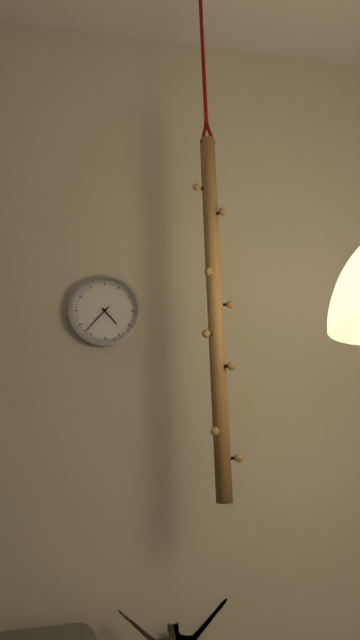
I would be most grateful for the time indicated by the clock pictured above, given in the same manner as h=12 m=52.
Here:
h=4 m=37
